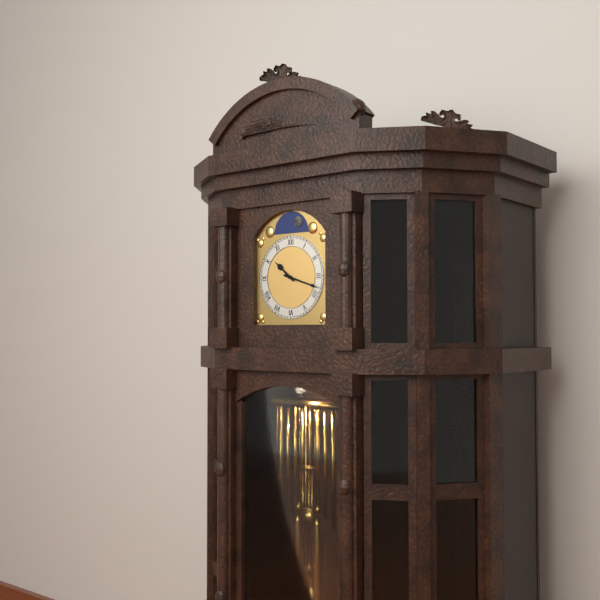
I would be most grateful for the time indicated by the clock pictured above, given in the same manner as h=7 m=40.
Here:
h=10 m=18
